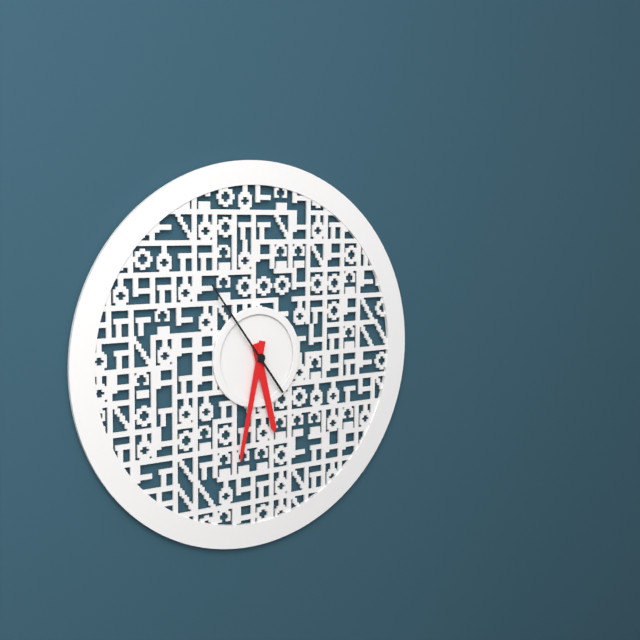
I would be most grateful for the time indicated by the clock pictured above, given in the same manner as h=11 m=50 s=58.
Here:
h=5 m=32 s=54
